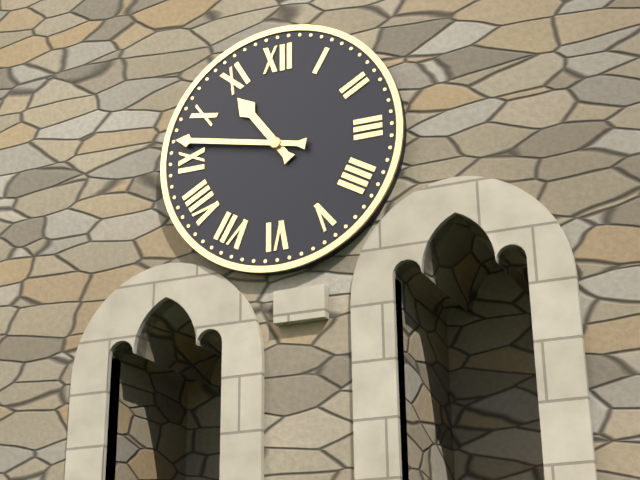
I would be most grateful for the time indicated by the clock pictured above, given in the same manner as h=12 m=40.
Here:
h=10 m=47
